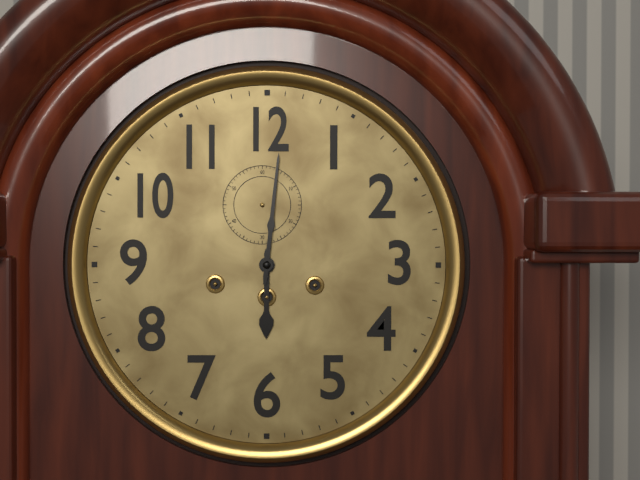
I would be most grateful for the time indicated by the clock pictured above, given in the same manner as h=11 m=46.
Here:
h=6 m=1
